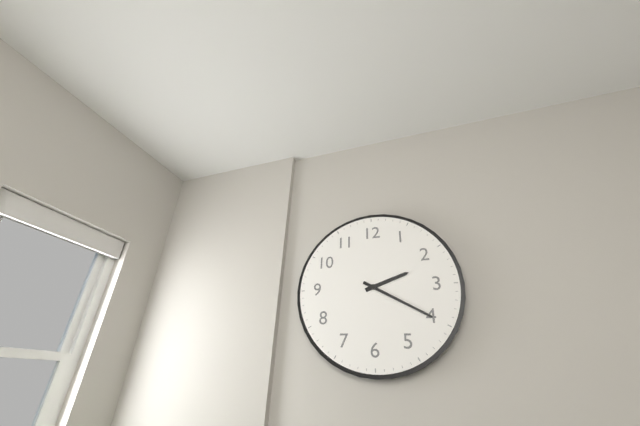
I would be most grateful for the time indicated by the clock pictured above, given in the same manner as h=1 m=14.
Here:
h=2 m=20
